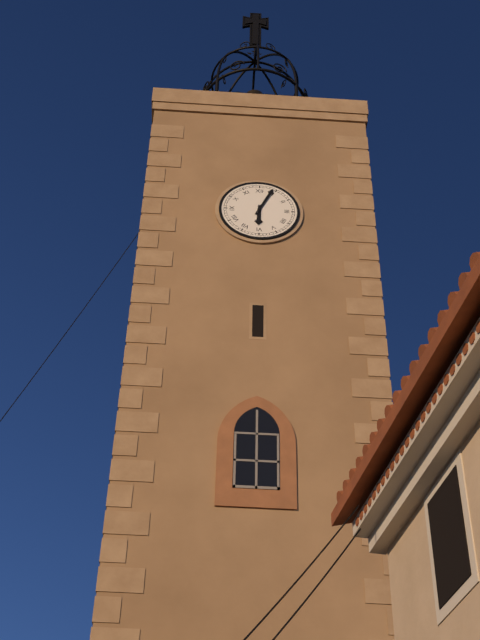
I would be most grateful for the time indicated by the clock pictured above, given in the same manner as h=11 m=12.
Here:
h=6 m=4
